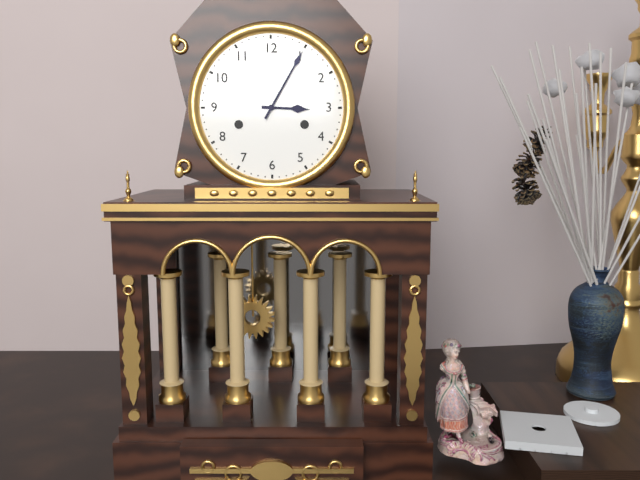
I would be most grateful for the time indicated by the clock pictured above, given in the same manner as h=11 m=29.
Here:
h=3 m=5
